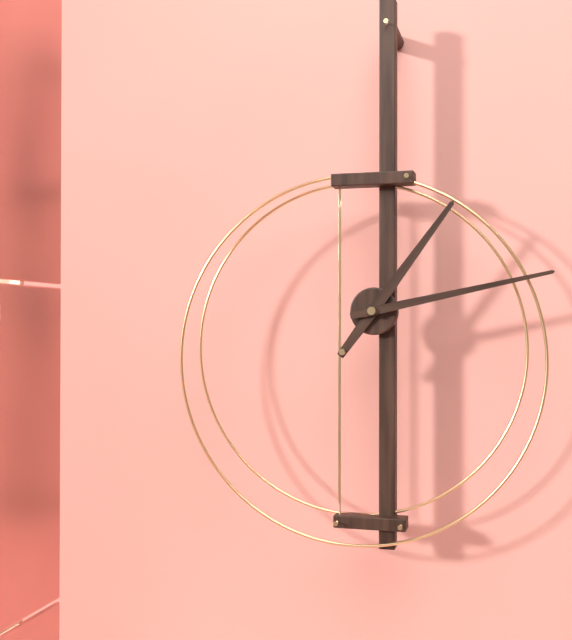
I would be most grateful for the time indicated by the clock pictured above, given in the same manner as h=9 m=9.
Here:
h=1 m=13
